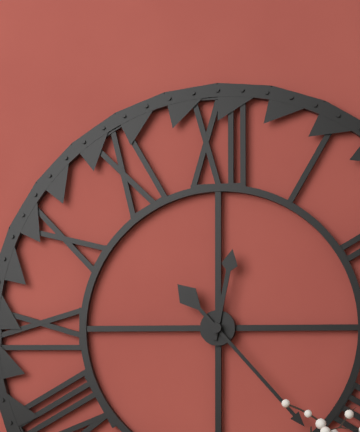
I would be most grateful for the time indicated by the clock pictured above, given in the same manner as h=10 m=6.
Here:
h=12 m=23
